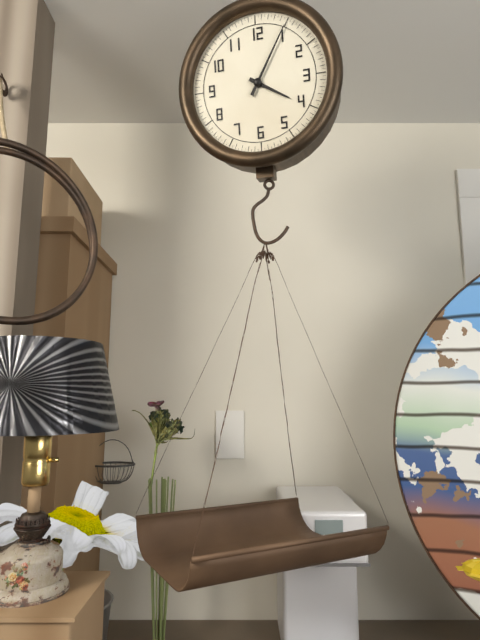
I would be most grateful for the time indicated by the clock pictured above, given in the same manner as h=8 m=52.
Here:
h=4 m=5
